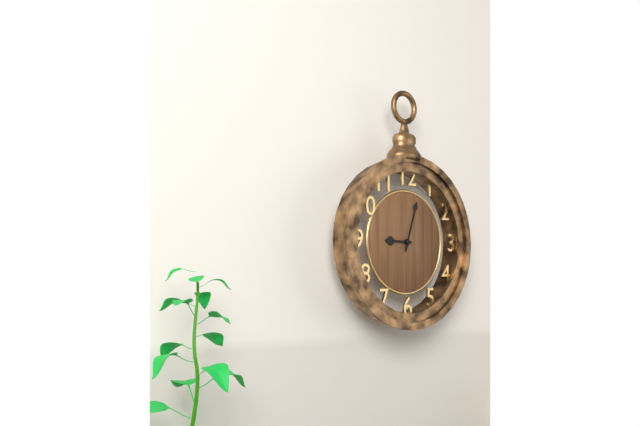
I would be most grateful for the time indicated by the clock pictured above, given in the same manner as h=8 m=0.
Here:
h=9 m=3
